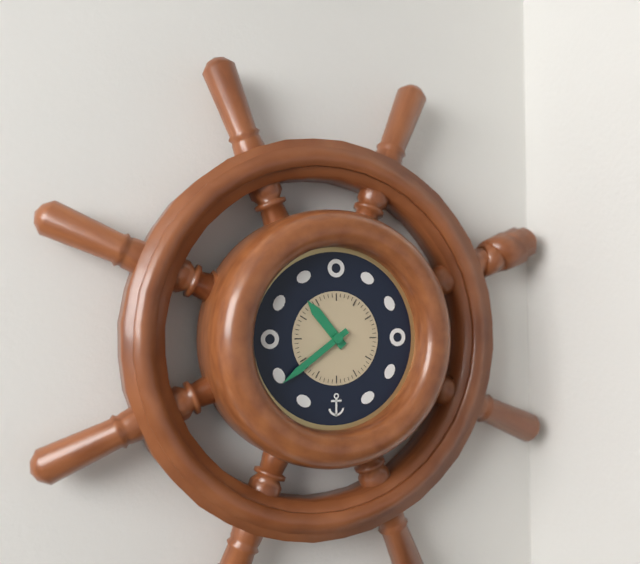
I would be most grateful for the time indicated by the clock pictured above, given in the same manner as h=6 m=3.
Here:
h=10 m=39
